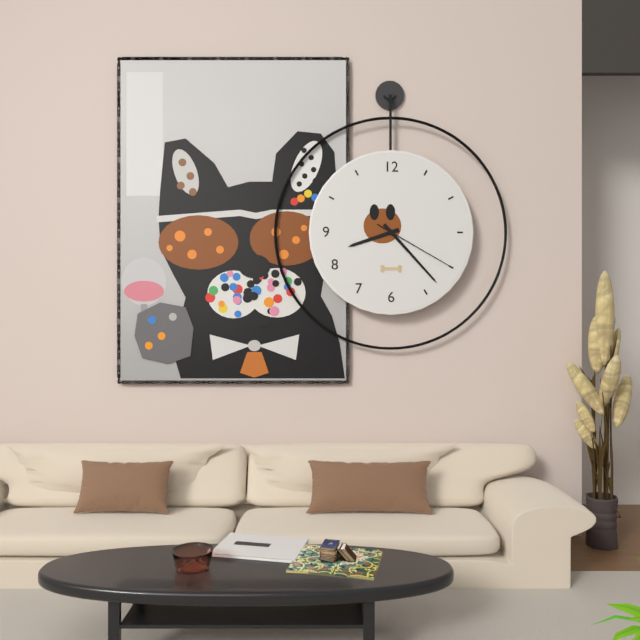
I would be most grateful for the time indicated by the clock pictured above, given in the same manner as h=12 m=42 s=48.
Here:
h=8 m=23 s=20
